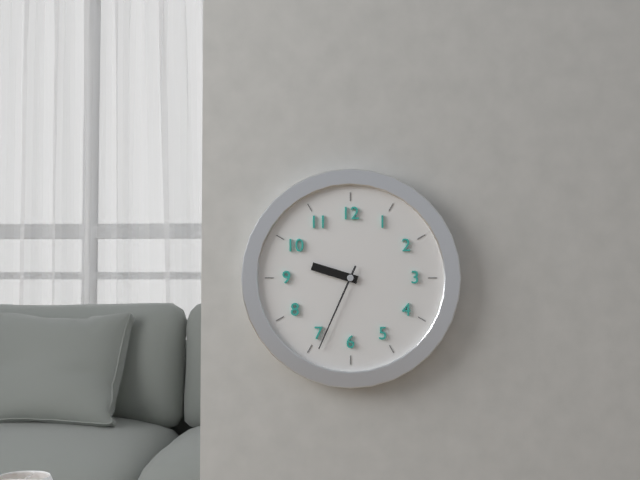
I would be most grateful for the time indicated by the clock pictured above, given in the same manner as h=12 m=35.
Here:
h=9 m=34
